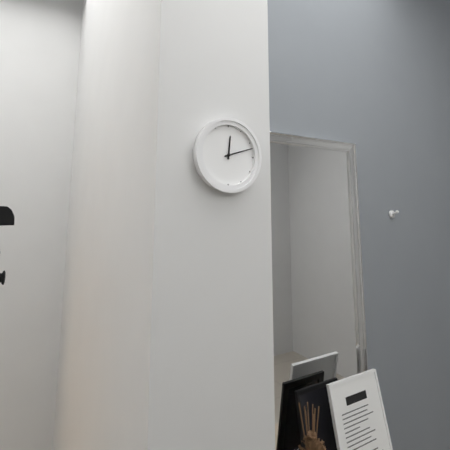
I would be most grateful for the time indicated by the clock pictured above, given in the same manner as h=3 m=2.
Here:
h=12 m=12
